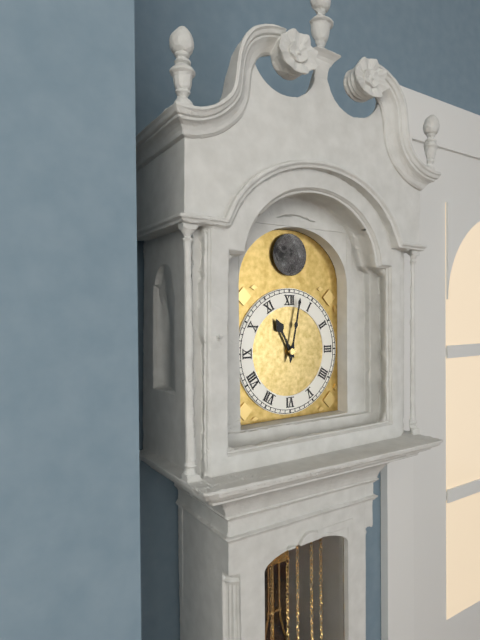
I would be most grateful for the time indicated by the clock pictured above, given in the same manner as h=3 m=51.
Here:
h=11 m=2
